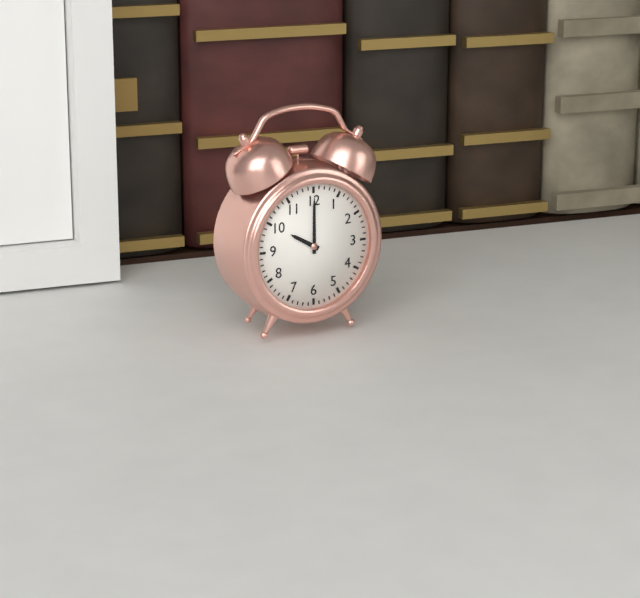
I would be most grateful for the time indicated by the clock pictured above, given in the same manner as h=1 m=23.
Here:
h=10 m=0
